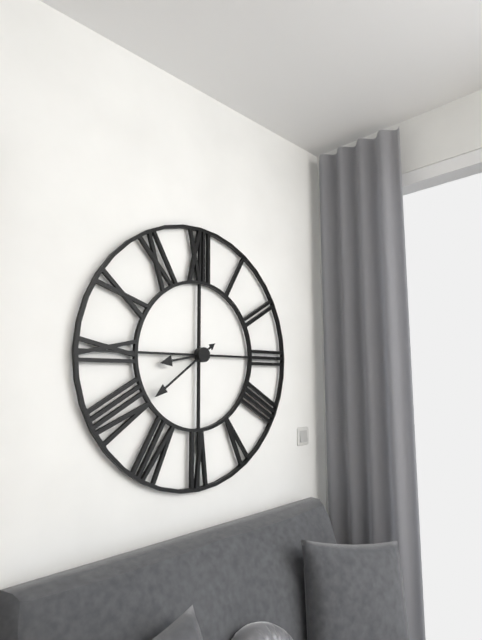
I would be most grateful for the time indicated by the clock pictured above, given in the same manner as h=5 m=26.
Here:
h=8 m=39
